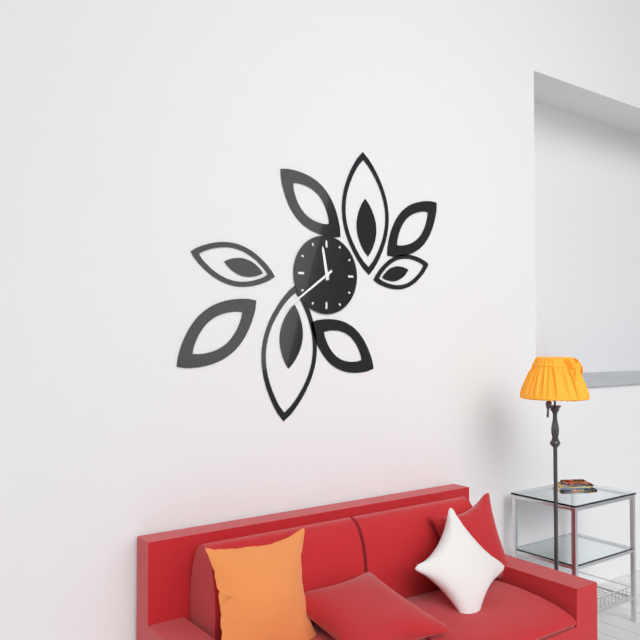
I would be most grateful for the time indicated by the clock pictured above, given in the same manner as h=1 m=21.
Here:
h=11 m=39
